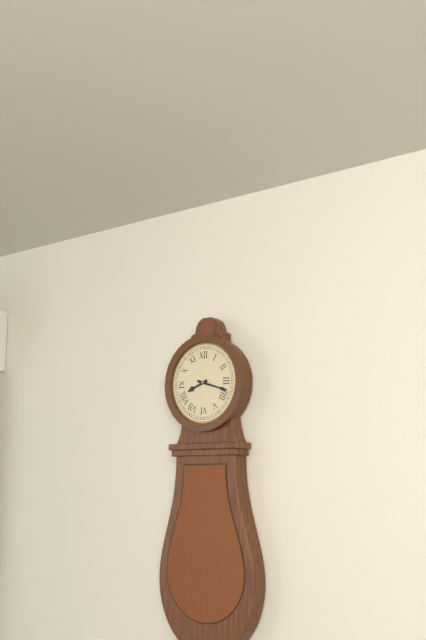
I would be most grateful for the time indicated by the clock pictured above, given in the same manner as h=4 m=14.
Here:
h=8 m=18
